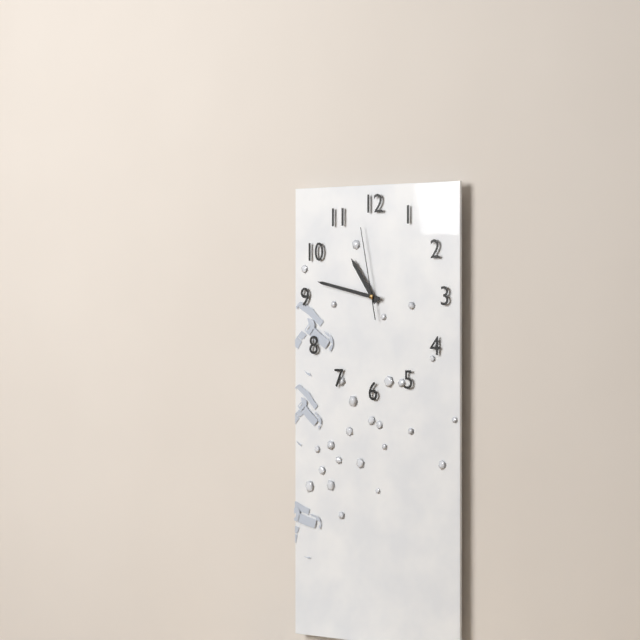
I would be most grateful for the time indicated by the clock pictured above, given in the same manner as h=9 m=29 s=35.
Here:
h=10 m=47 s=58
